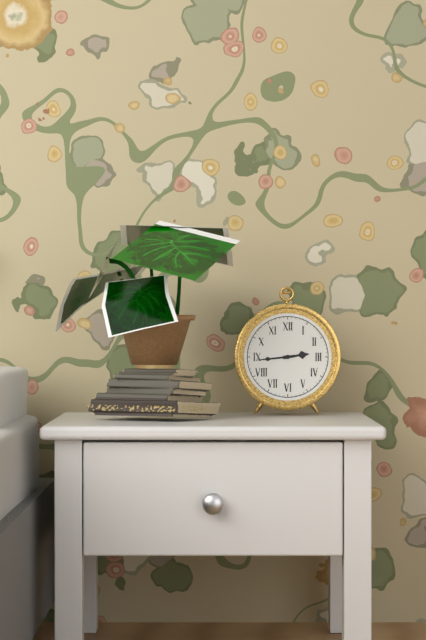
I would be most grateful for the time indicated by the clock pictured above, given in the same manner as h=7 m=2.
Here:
h=2 m=44
